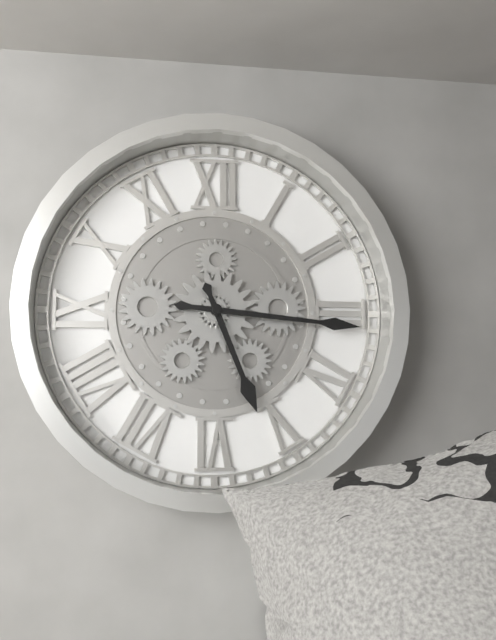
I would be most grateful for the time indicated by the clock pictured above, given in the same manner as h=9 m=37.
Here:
h=5 m=16
